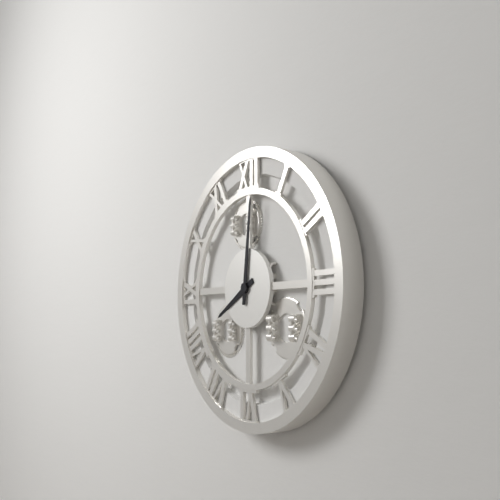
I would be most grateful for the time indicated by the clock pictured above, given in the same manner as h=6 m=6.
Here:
h=8 m=1
